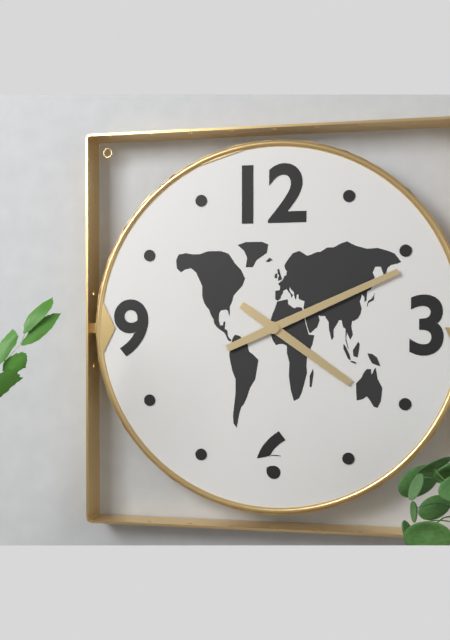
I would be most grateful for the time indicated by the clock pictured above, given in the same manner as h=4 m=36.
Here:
h=4 m=11
